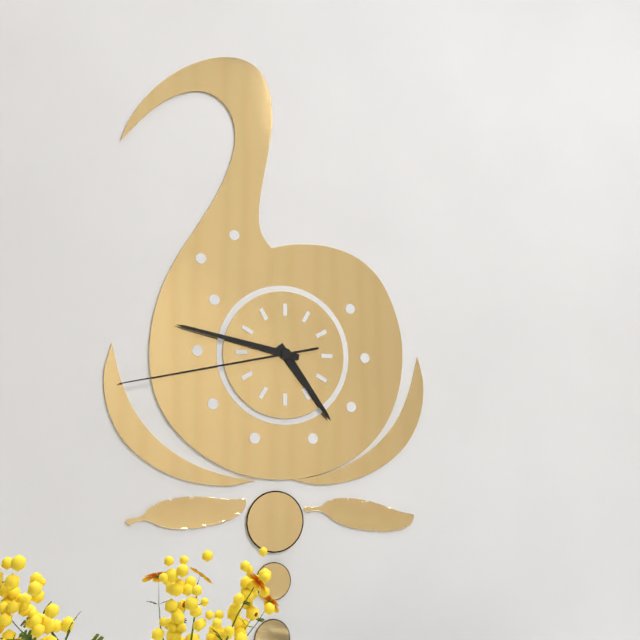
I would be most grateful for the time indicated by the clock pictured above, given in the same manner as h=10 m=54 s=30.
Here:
h=4 m=47 s=43
